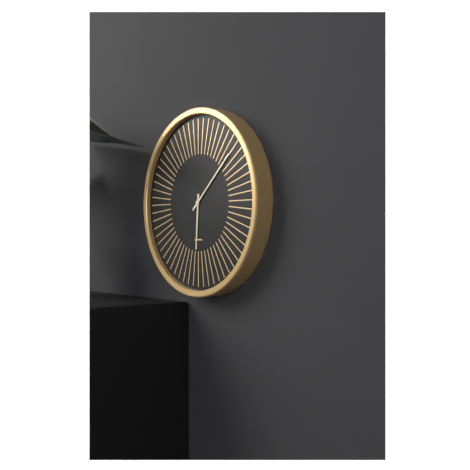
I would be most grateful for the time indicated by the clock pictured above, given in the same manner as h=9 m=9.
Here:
h=6 m=8
